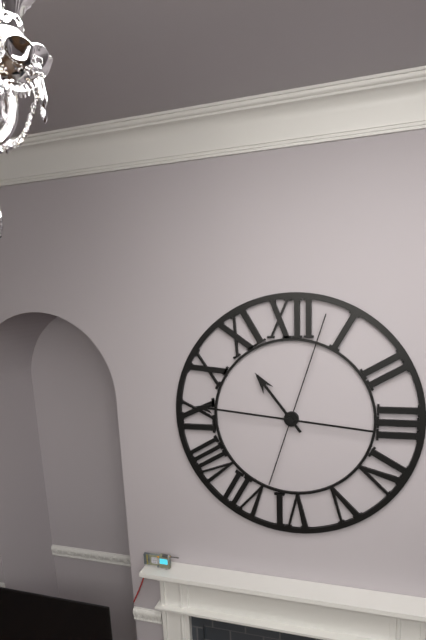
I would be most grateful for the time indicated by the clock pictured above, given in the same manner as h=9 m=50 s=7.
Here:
h=10 m=46 s=3
